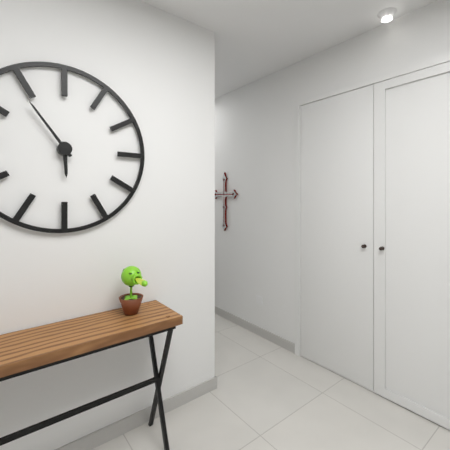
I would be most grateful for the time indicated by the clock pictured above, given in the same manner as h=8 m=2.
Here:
h=5 m=54
